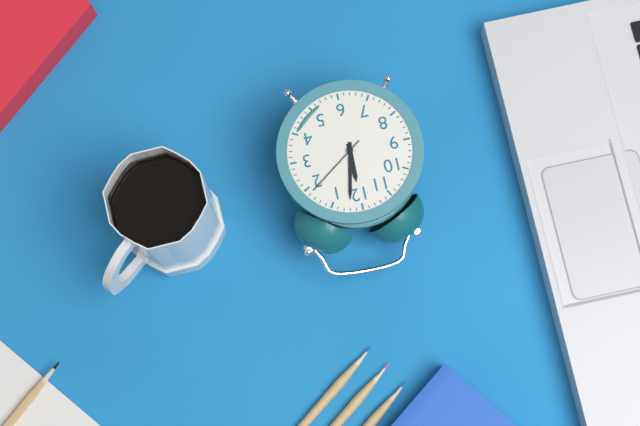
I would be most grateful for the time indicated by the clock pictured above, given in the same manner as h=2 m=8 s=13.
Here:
h=12 m=2 s=9
